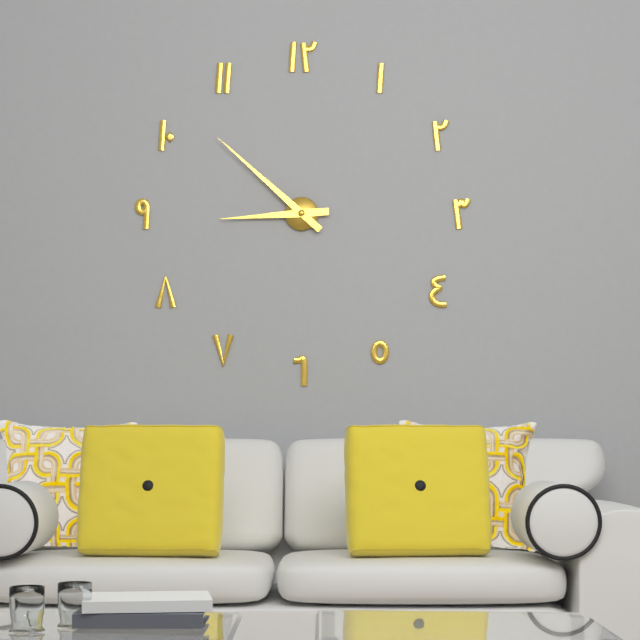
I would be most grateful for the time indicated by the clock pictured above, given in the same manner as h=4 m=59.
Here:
h=8 m=52
